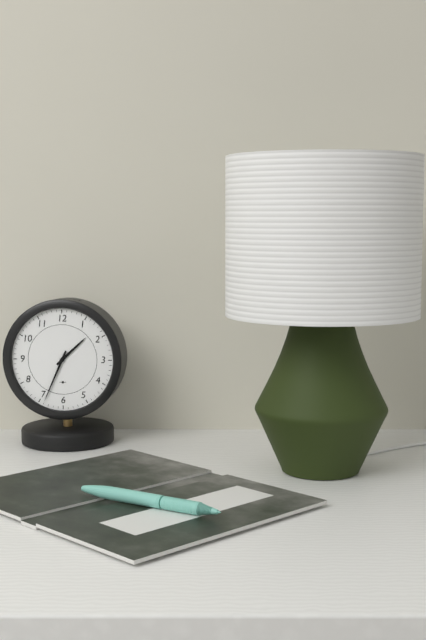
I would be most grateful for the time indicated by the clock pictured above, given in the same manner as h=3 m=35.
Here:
h=1 m=34
